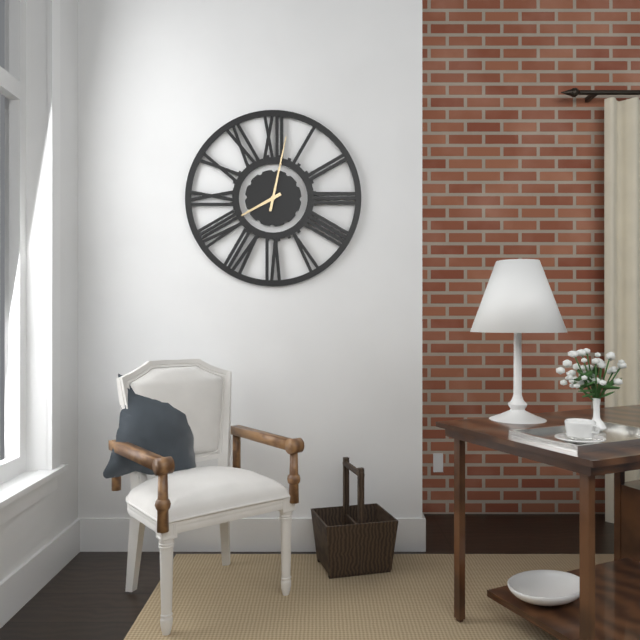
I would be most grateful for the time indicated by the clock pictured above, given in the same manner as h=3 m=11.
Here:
h=8 m=2
